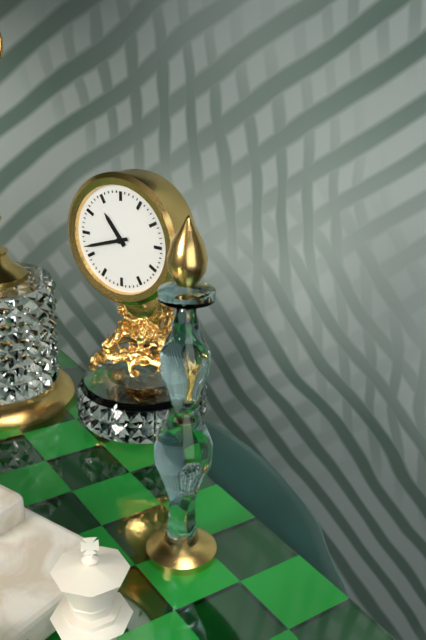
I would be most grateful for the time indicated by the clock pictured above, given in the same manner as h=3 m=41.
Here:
h=10 m=42
